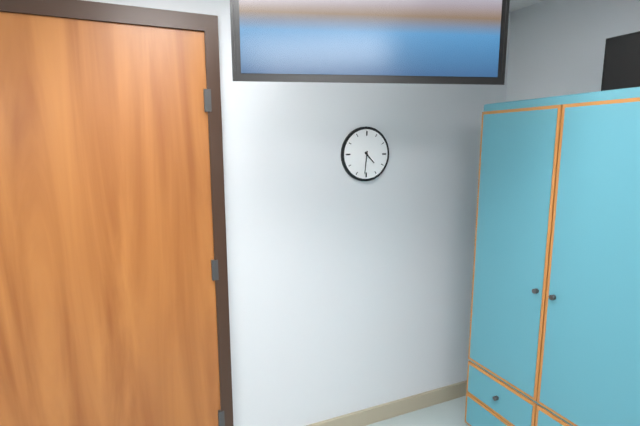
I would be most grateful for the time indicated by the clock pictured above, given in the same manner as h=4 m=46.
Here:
h=4 m=31
